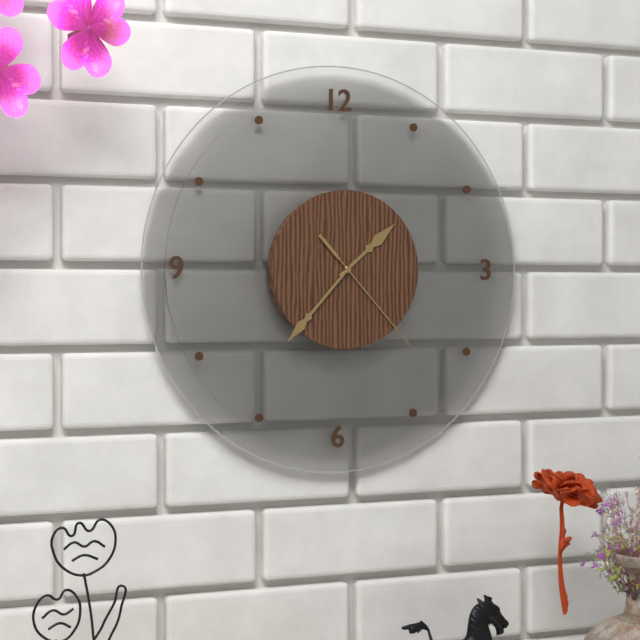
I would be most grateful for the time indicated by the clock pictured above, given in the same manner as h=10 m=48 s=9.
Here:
h=1 m=37 s=23
